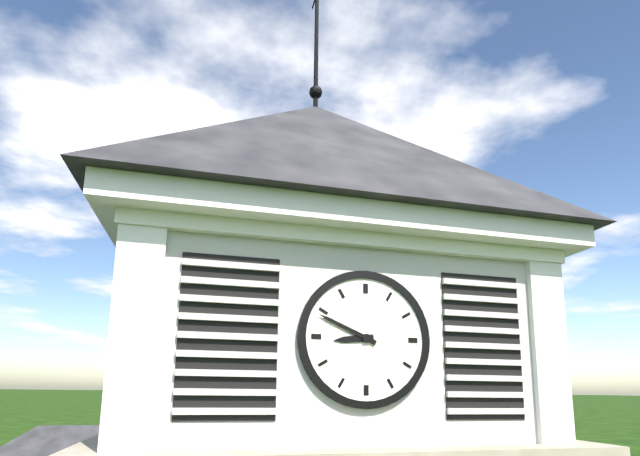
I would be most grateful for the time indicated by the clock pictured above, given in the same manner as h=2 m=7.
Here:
h=8 m=49
